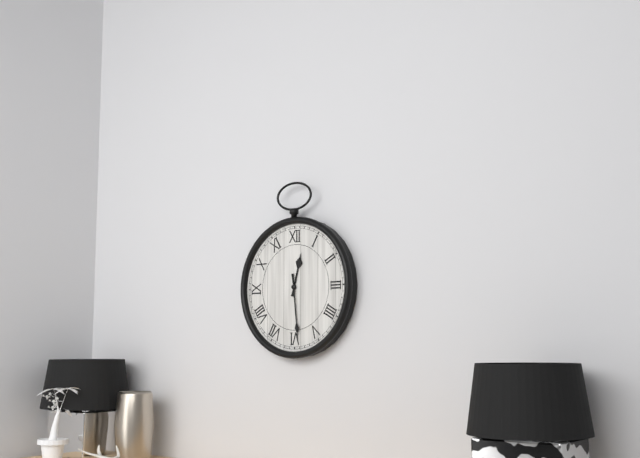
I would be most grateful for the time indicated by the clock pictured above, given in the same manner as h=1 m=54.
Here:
h=12 m=29
